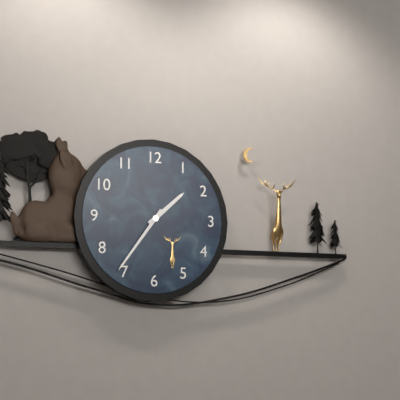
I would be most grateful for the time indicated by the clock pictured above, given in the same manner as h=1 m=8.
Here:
h=1 m=36
